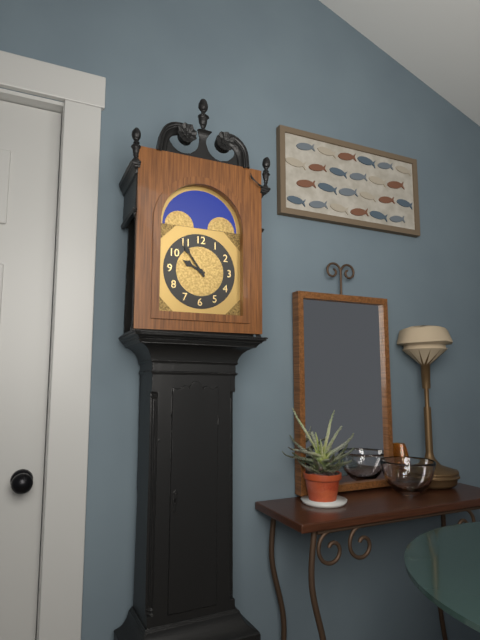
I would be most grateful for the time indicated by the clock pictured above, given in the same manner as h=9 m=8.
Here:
h=9 m=54
